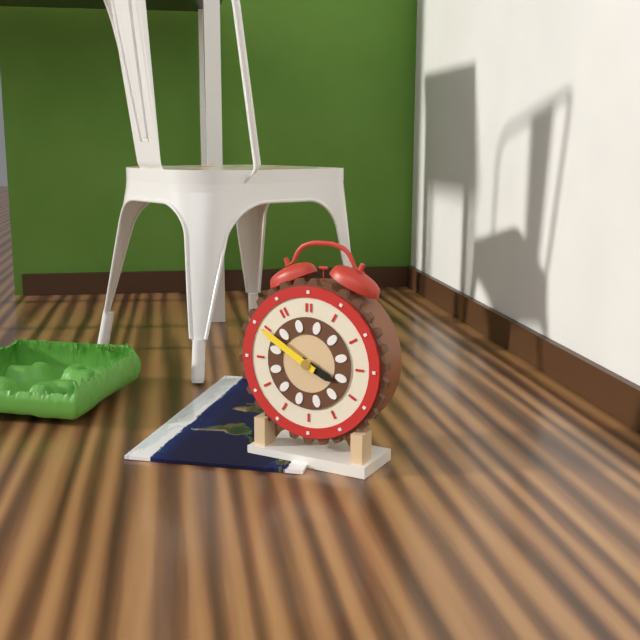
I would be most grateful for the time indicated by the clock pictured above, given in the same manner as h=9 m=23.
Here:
h=3 m=50
